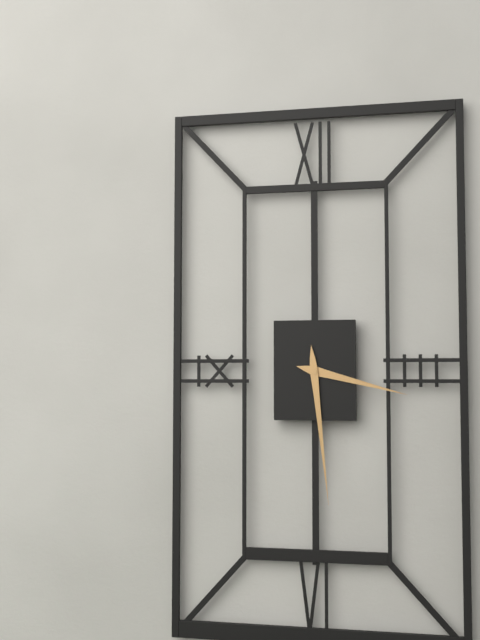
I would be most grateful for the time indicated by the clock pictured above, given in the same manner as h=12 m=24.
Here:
h=3 m=29
